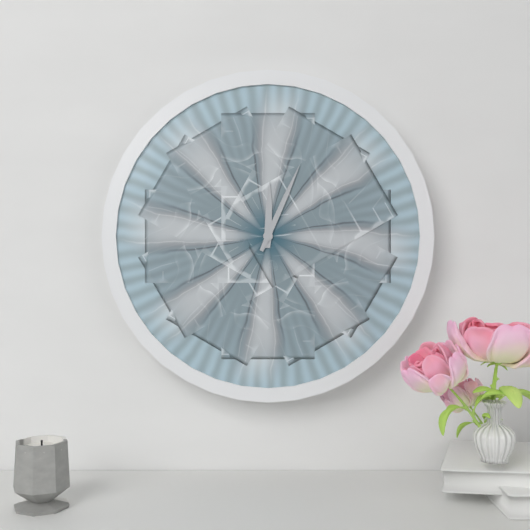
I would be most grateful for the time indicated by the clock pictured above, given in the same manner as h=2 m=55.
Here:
h=12 m=4
